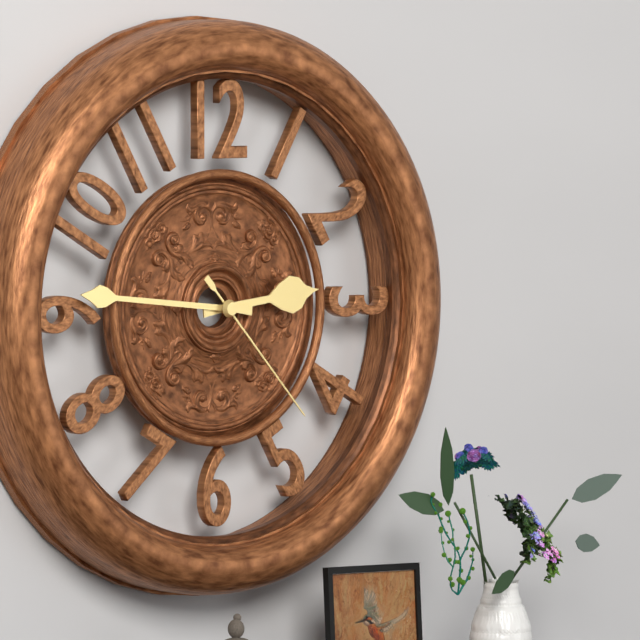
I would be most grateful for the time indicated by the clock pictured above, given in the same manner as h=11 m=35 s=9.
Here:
h=2 m=46 s=23
